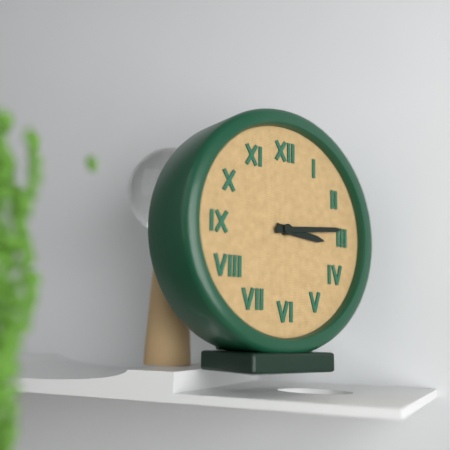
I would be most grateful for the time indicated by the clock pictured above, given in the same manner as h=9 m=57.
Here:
h=3 m=14
